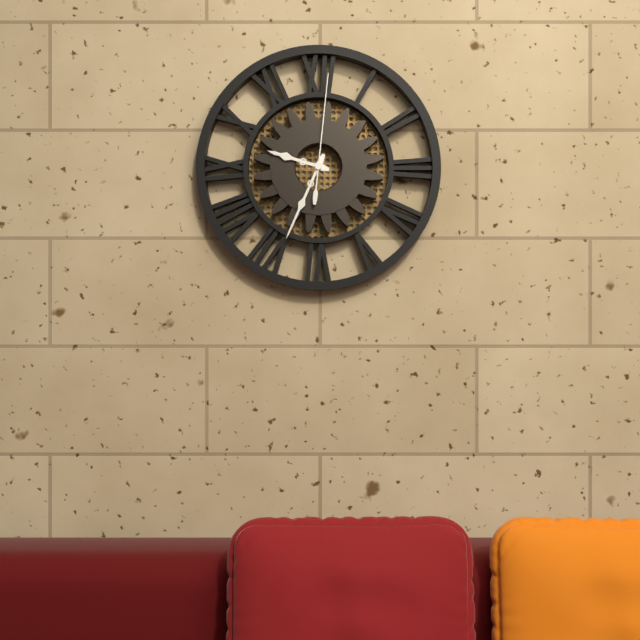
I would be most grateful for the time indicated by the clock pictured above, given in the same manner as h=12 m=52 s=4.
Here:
h=9 m=34 s=1
